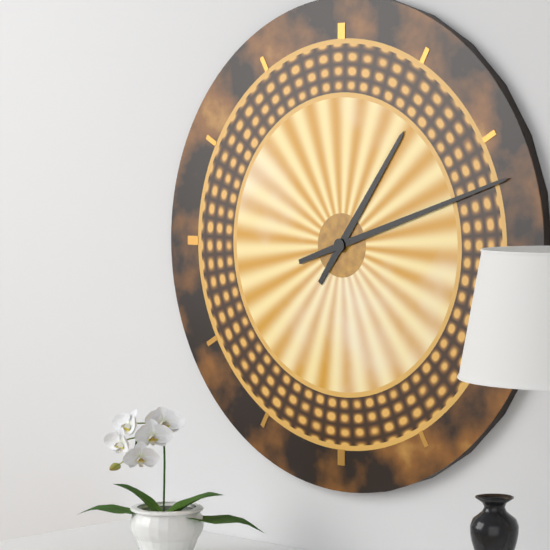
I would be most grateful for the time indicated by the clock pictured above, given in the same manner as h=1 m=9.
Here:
h=1 m=12
